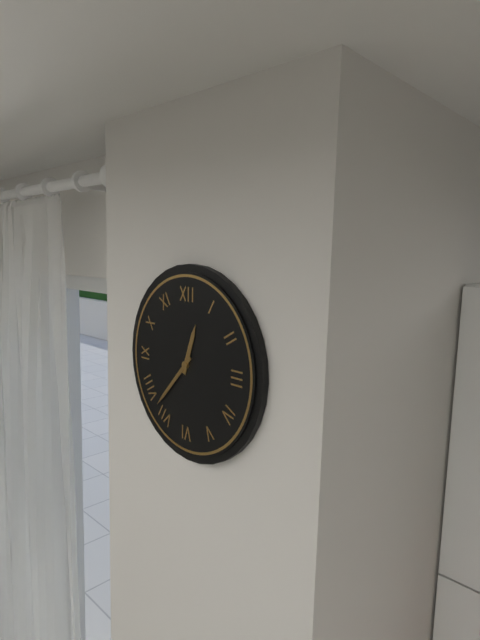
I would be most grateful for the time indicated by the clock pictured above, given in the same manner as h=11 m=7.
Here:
h=12 m=37
